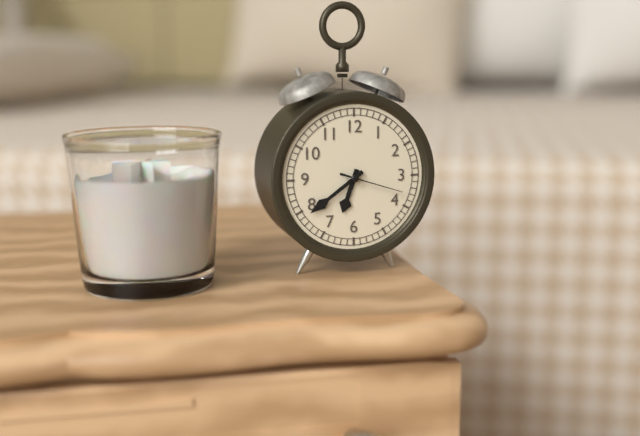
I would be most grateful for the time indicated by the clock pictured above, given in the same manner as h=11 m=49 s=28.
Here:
h=6 m=39 s=18
